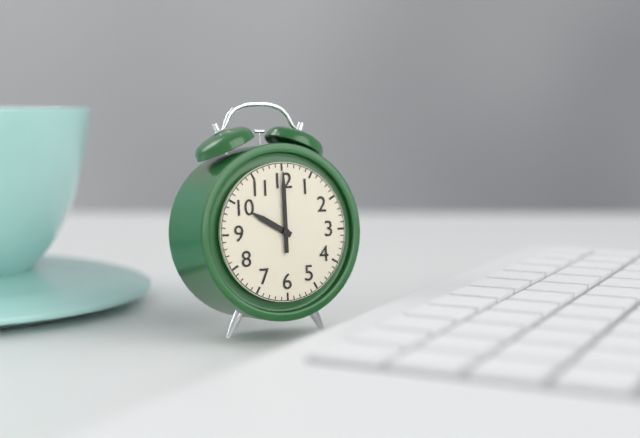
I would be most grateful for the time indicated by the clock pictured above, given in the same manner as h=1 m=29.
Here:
h=10 m=0
